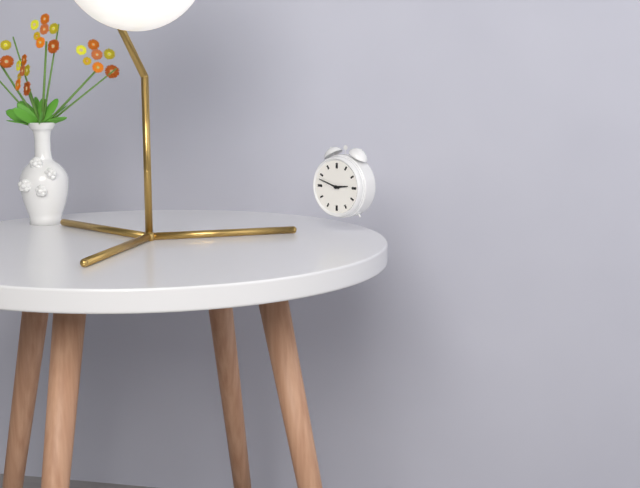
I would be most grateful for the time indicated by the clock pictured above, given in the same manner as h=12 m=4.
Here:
h=2 m=48
